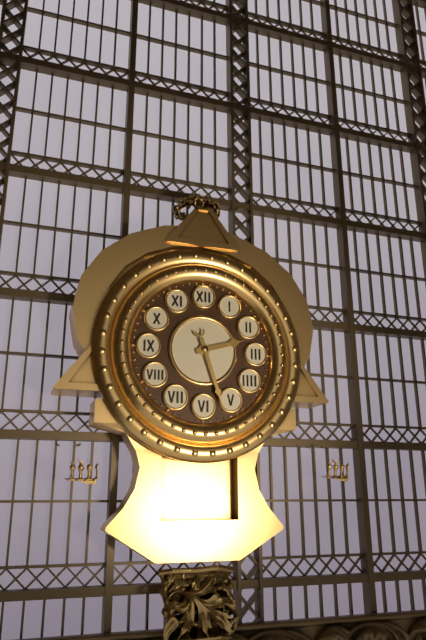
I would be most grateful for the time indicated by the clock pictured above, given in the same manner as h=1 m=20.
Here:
h=2 m=27
